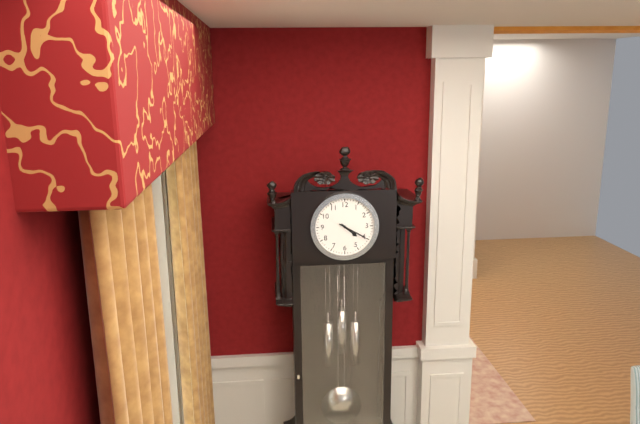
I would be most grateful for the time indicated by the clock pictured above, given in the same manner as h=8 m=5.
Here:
h=4 m=20
